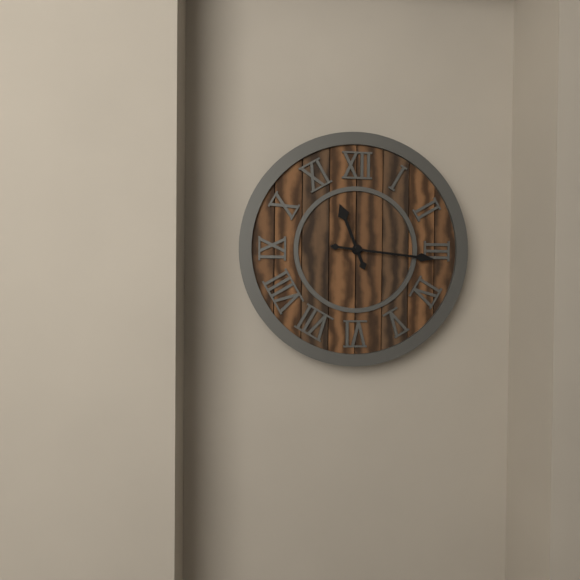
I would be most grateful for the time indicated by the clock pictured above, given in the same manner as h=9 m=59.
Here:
h=11 m=16
